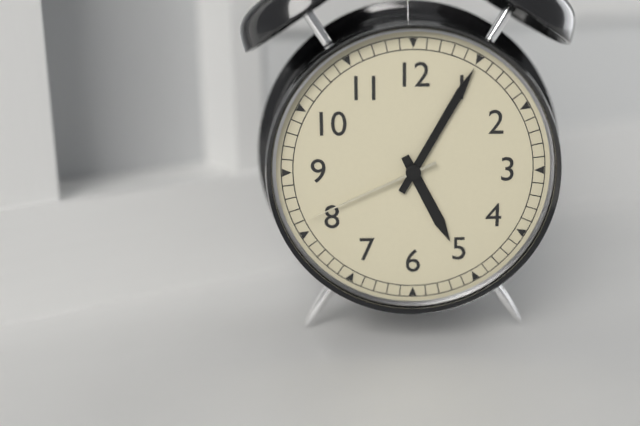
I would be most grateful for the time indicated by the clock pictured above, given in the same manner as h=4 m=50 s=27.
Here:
h=5 m=5 s=41
